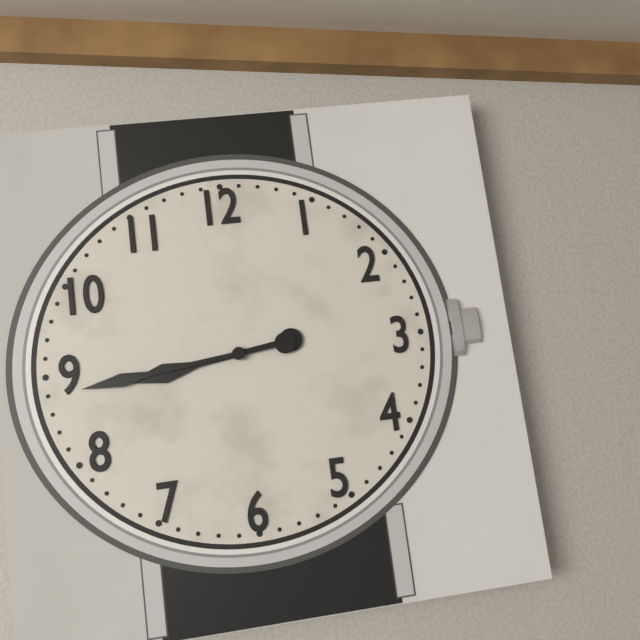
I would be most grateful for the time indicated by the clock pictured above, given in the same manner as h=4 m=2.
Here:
h=8 m=44
